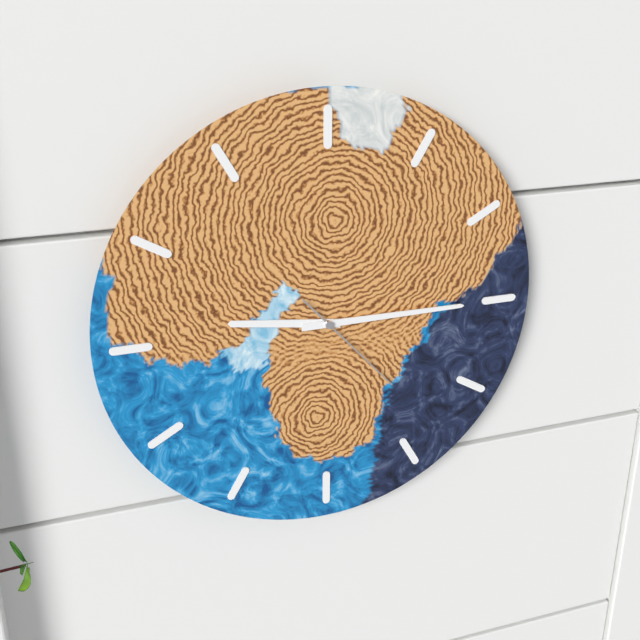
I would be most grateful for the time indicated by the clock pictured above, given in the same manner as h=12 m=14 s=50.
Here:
h=9 m=15 s=23
